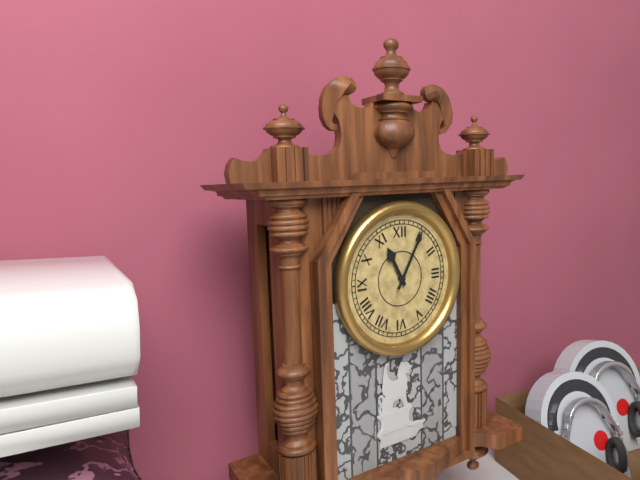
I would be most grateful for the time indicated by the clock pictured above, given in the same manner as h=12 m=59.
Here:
h=11 m=5
